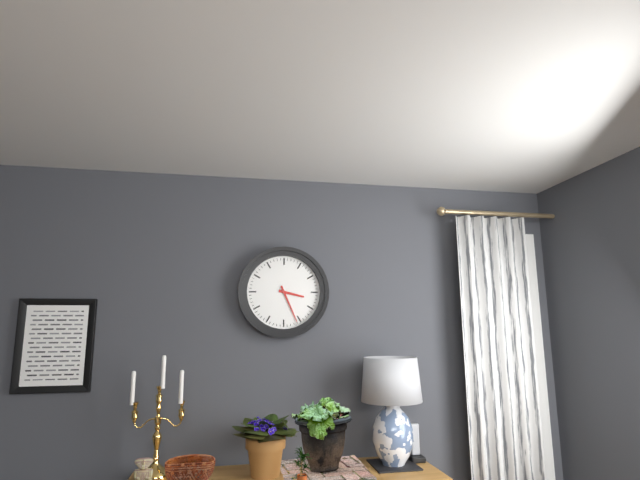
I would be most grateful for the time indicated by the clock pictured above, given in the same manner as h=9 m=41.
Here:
h=3 m=26
